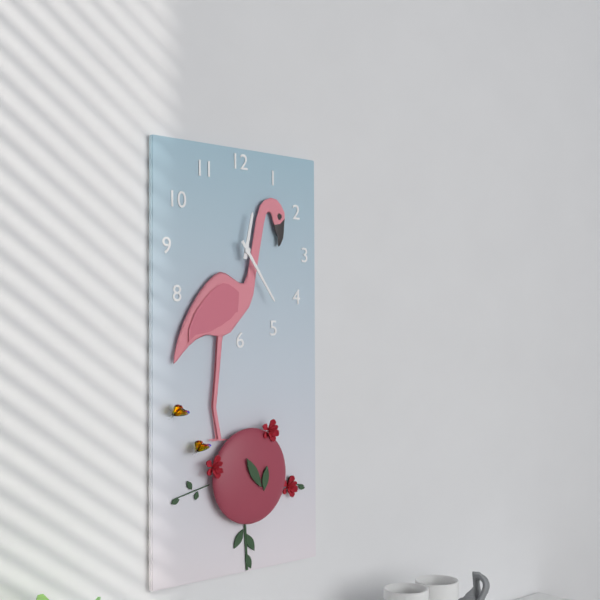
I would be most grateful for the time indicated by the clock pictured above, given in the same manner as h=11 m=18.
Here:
h=12 m=24
